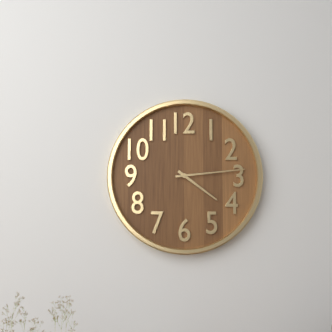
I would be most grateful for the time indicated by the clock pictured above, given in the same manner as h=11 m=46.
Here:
h=4 m=14
